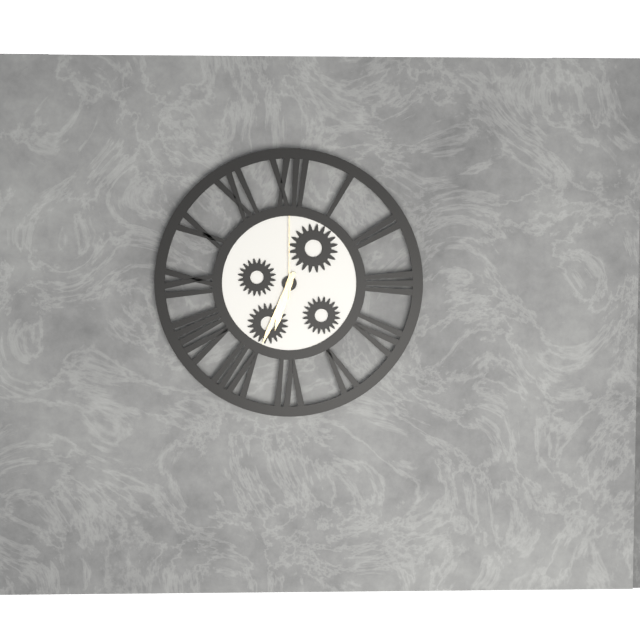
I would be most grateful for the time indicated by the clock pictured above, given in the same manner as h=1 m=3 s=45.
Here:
h=6 m=34 s=0
